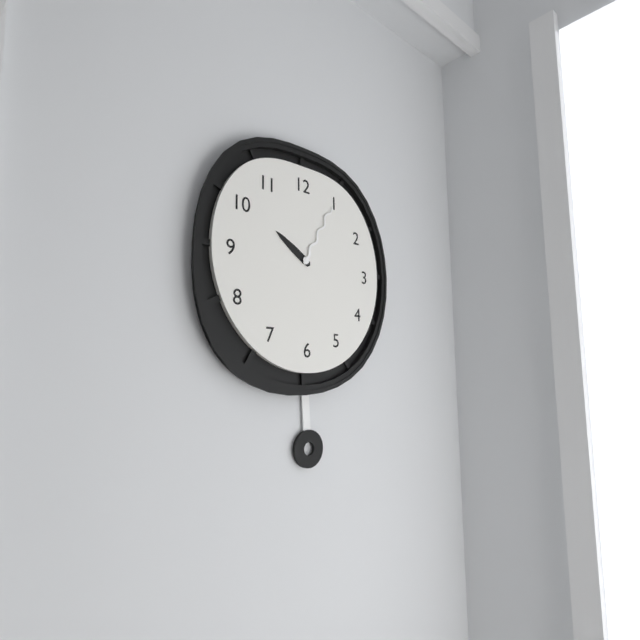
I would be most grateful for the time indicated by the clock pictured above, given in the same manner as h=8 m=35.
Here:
h=10 m=5
